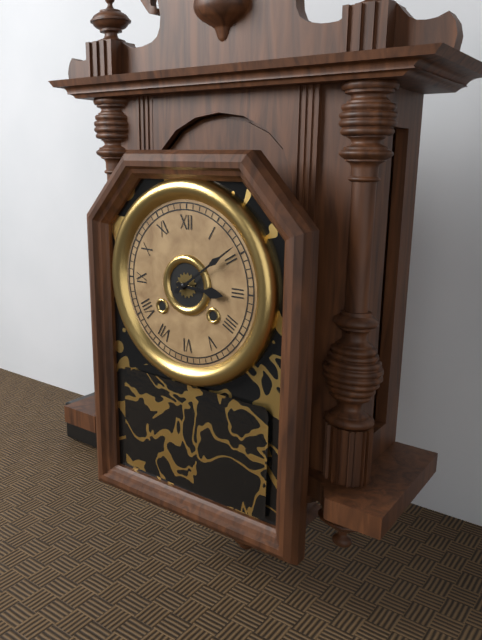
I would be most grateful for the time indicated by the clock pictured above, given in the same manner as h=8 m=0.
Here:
h=3 m=9
